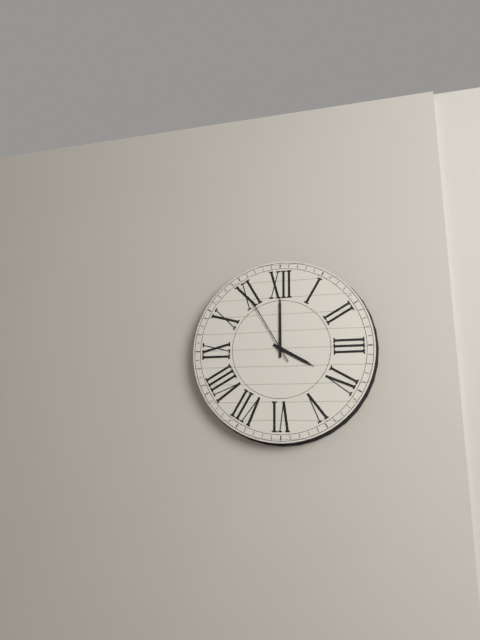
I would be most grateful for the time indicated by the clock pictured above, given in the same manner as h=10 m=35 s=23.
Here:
h=4 m=0 s=55
